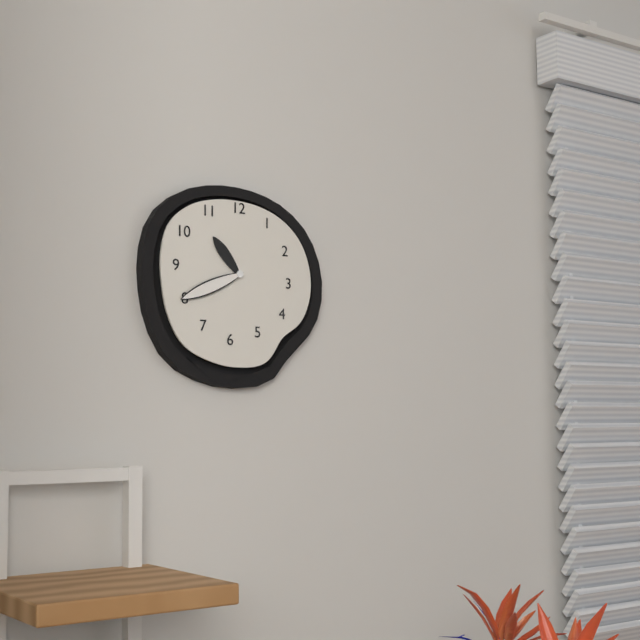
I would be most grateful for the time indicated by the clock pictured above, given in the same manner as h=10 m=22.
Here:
h=10 m=41
